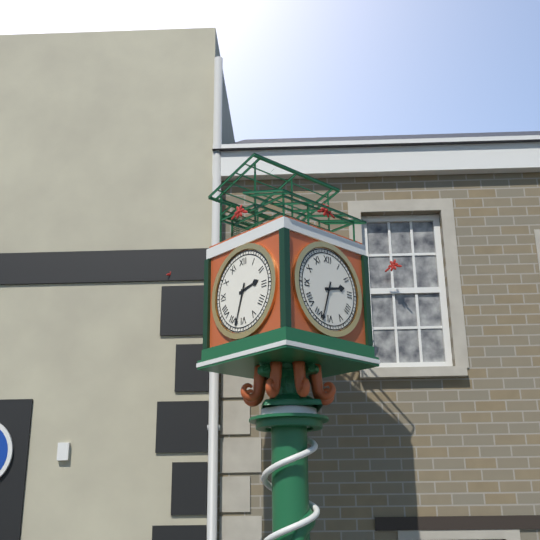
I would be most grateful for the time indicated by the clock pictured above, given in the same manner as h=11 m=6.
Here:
h=2 m=33
